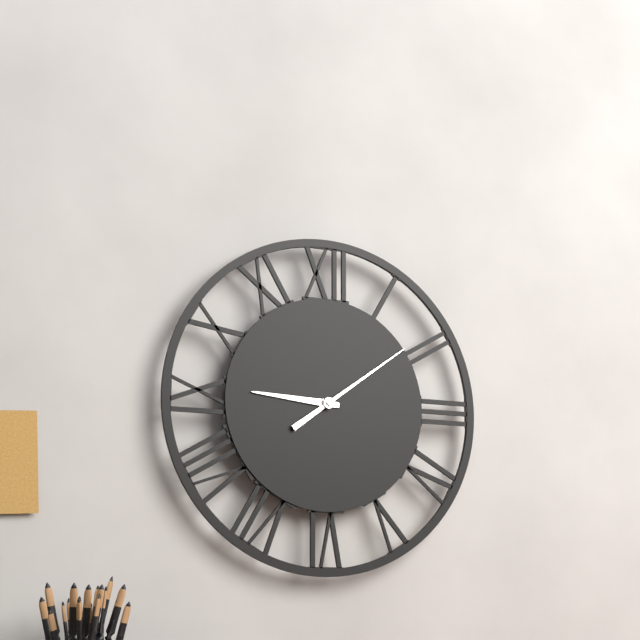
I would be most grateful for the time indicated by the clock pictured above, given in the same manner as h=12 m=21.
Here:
h=9 m=9
